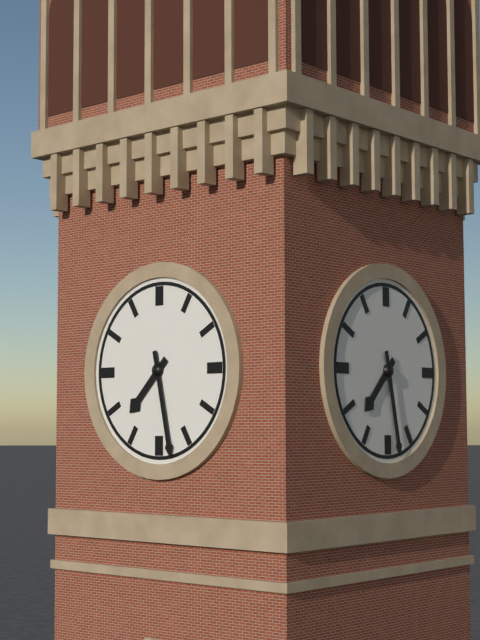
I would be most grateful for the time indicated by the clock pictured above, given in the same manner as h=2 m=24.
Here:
h=7 m=28
